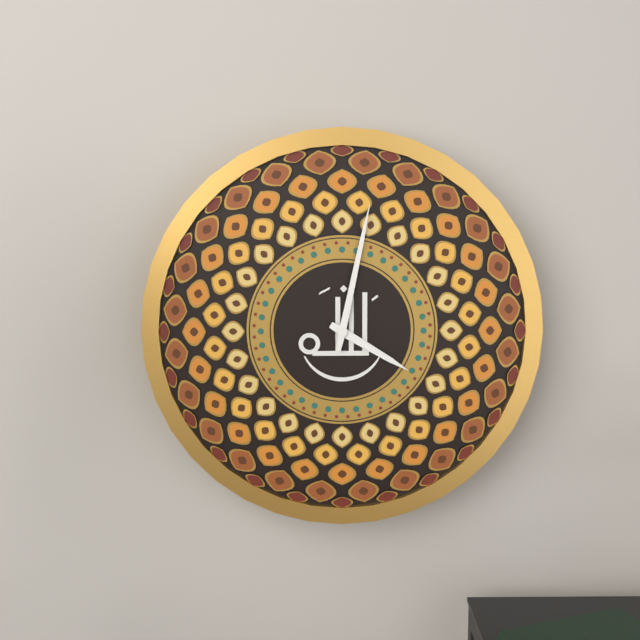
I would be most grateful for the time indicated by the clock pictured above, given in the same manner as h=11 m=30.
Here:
h=4 m=2
